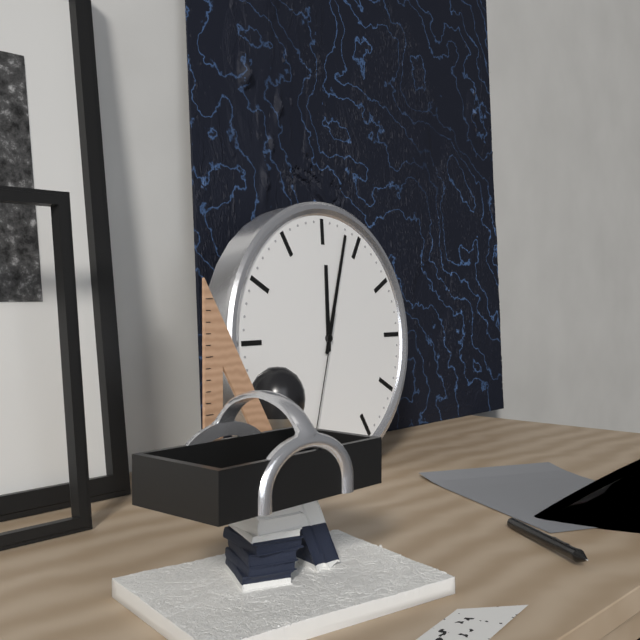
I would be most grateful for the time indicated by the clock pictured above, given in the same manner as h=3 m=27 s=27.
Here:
h=12 m=3 s=33
